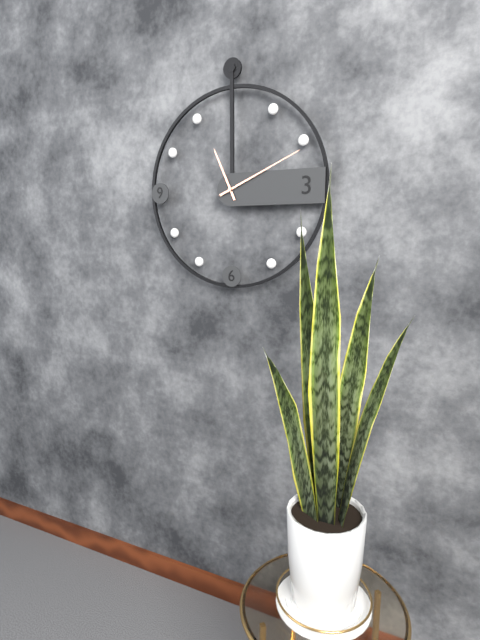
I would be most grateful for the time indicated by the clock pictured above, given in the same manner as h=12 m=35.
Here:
h=11 m=11
